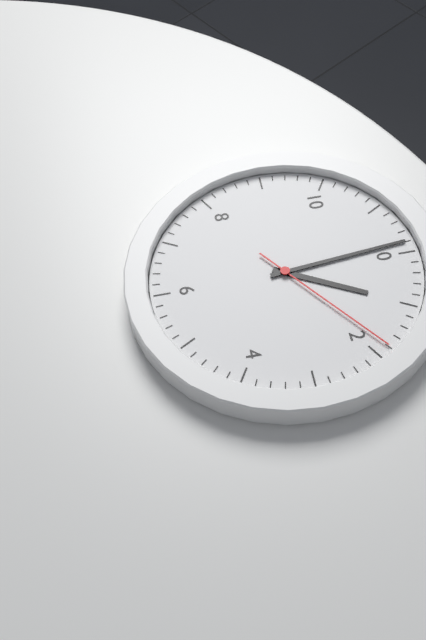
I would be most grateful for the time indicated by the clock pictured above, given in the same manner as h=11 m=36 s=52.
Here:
h=12 m=59 s=9
